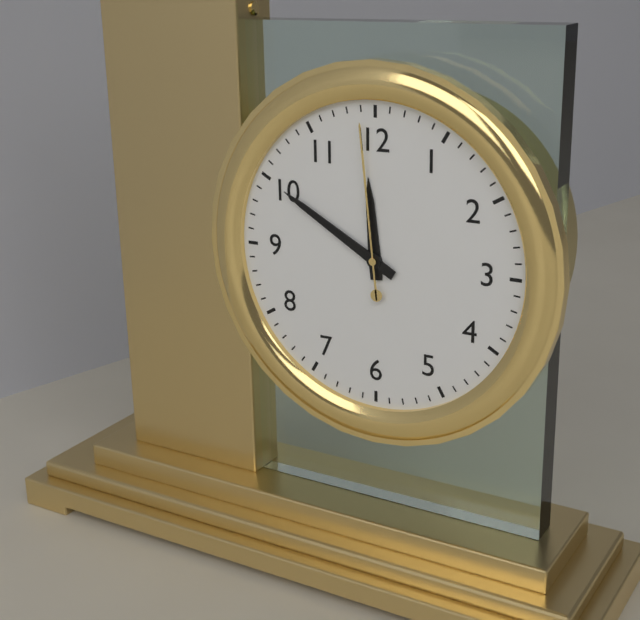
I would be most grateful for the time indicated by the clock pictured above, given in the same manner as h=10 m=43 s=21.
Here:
h=11 m=50 s=59
